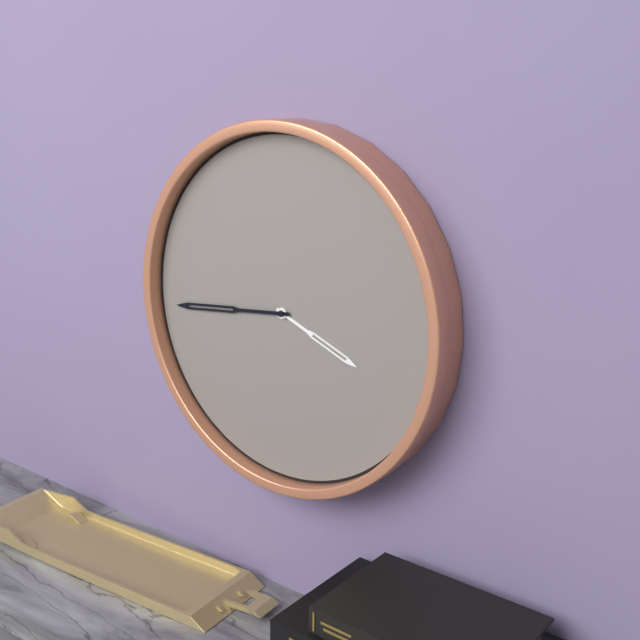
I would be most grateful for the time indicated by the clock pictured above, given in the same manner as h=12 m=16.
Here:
h=3 m=44
